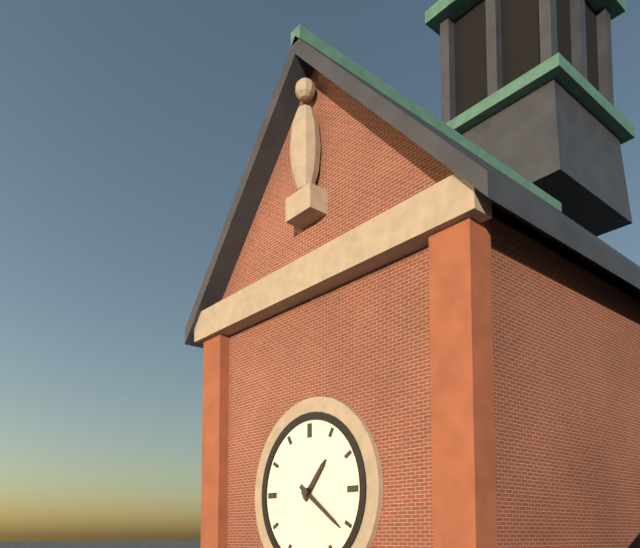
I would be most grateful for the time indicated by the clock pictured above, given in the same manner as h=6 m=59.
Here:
h=1 m=21
